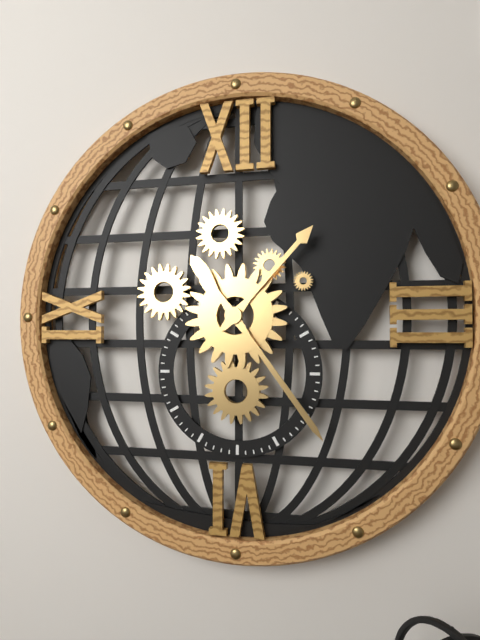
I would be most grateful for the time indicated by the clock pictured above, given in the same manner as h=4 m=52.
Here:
h=1 m=24
